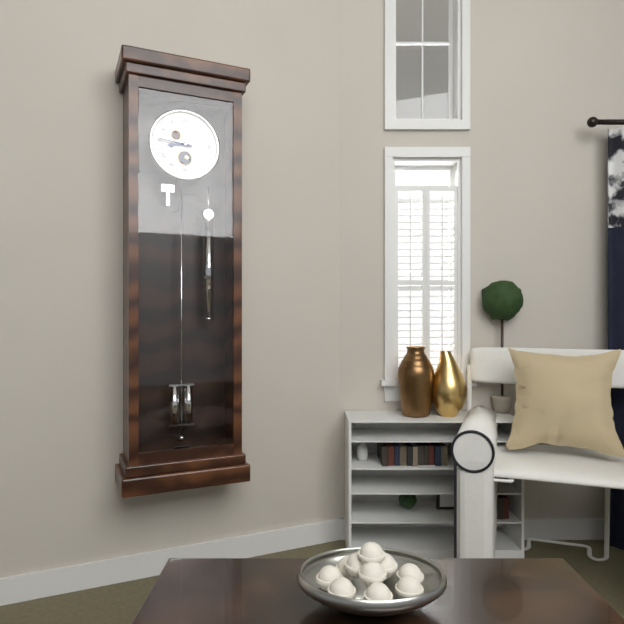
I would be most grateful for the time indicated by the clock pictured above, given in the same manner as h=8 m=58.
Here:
h=8 m=46
